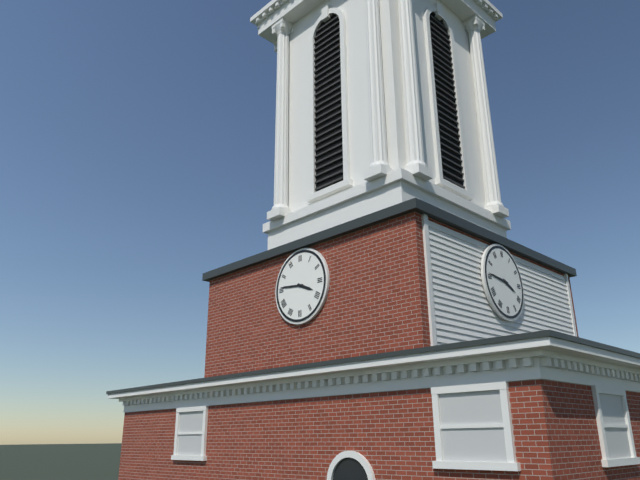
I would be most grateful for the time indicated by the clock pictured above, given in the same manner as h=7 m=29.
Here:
h=3 m=46
